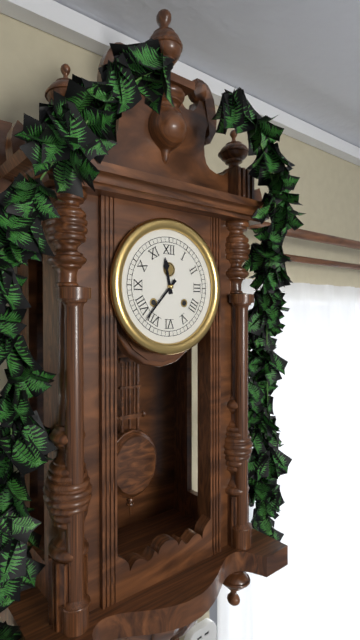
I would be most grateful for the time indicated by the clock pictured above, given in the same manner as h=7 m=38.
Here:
h=11 m=37
